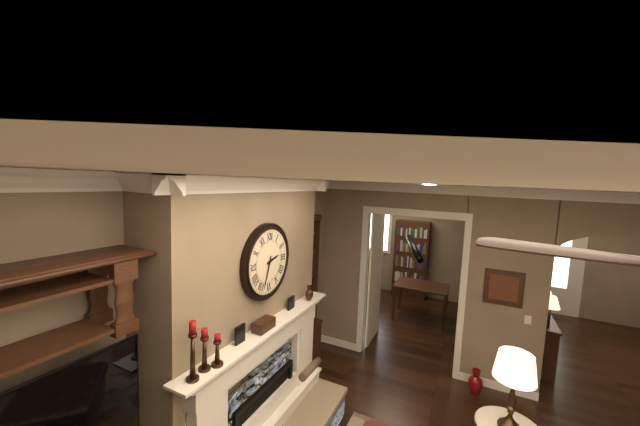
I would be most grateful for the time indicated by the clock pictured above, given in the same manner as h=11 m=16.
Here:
h=2 m=33
